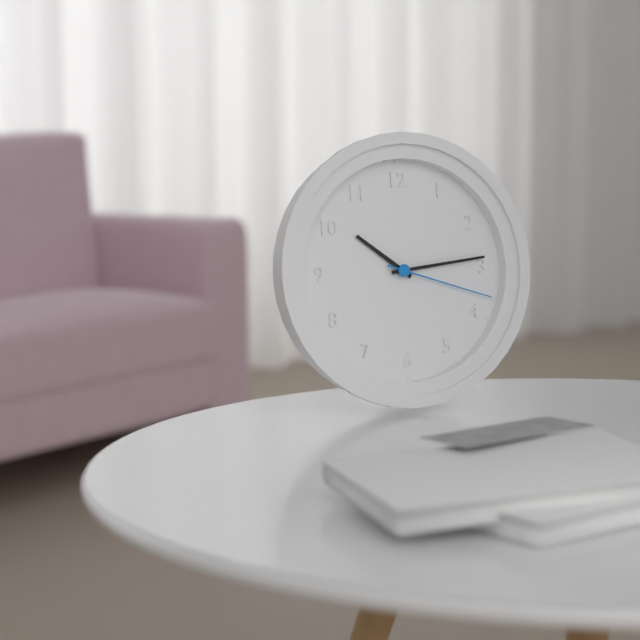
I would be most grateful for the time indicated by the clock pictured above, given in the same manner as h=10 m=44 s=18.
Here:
h=10 m=14 s=18
